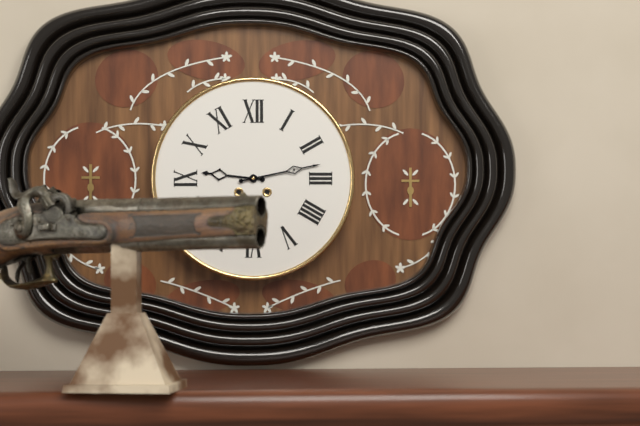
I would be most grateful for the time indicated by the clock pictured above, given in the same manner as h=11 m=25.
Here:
h=9 m=13
